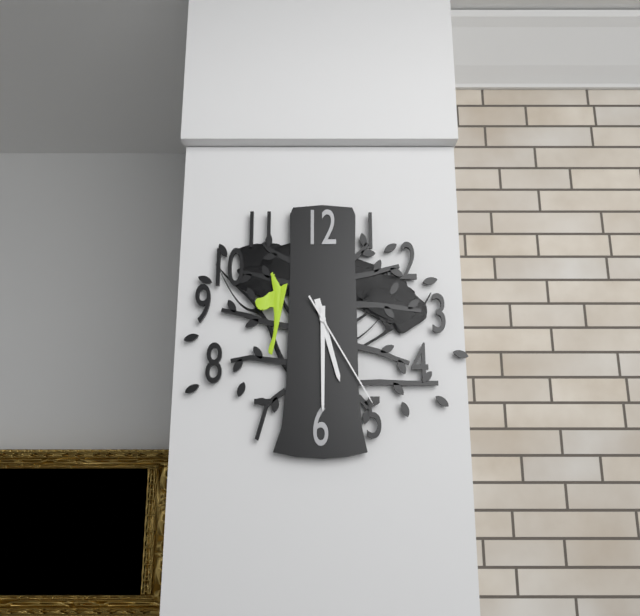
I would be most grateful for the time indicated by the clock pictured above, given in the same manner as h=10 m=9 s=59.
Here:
h=5 m=30 s=25
